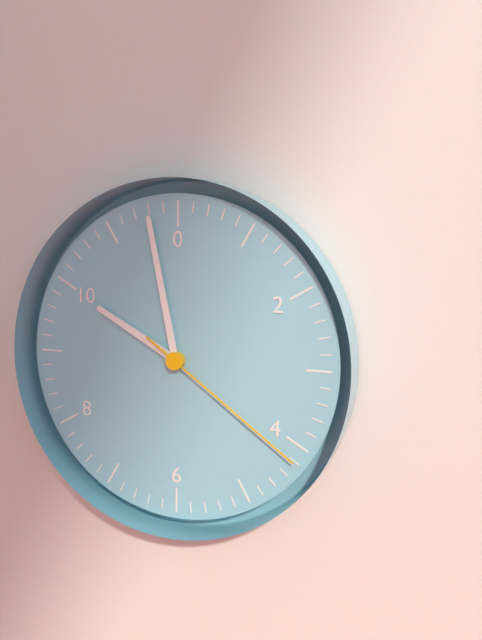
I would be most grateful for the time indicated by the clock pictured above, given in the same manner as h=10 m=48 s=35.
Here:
h=9 m=58 s=21
